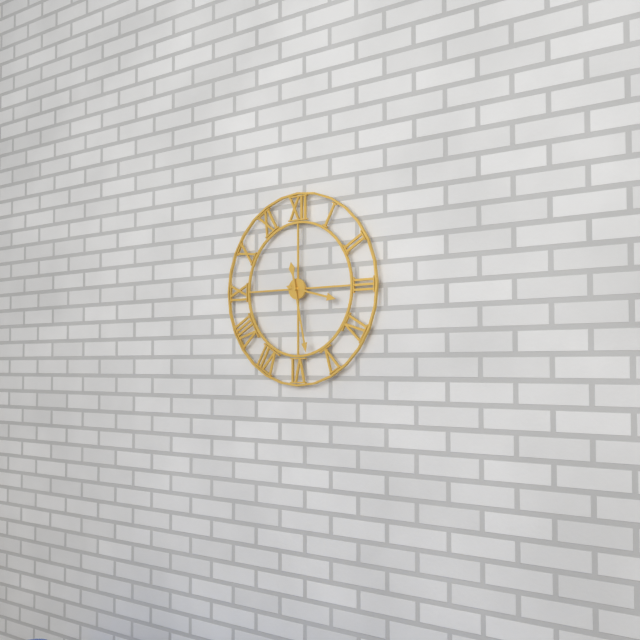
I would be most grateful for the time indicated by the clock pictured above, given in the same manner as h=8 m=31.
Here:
h=3 m=28
